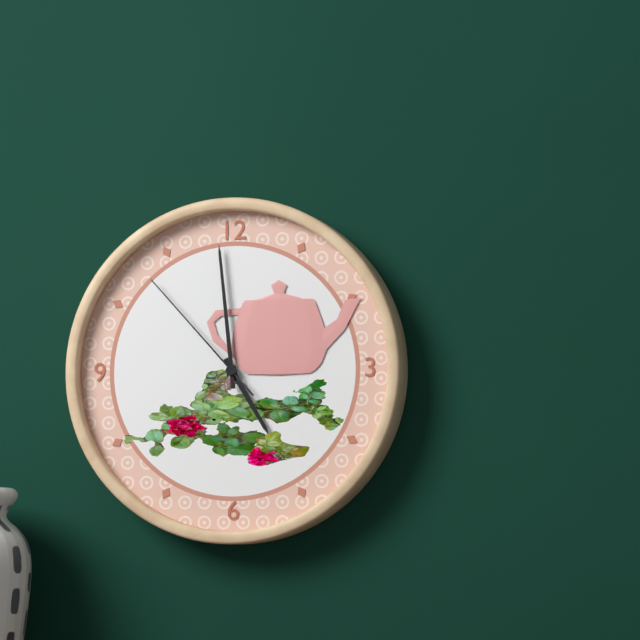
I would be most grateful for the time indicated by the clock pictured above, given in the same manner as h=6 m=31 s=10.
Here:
h=4 m=59 s=53
